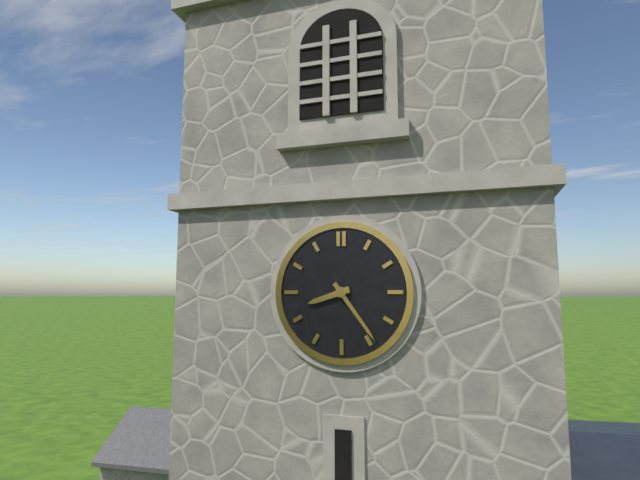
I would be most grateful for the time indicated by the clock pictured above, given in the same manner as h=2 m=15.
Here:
h=8 m=24
